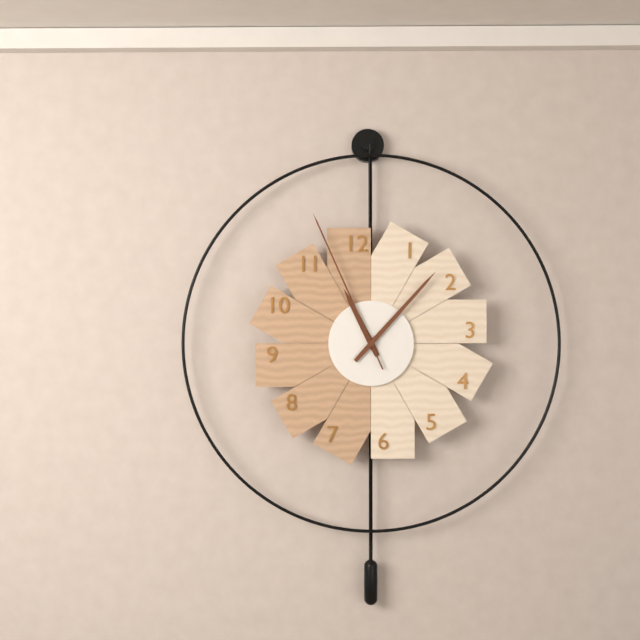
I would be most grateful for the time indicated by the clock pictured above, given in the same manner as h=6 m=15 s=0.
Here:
h=11 m=7 s=56
